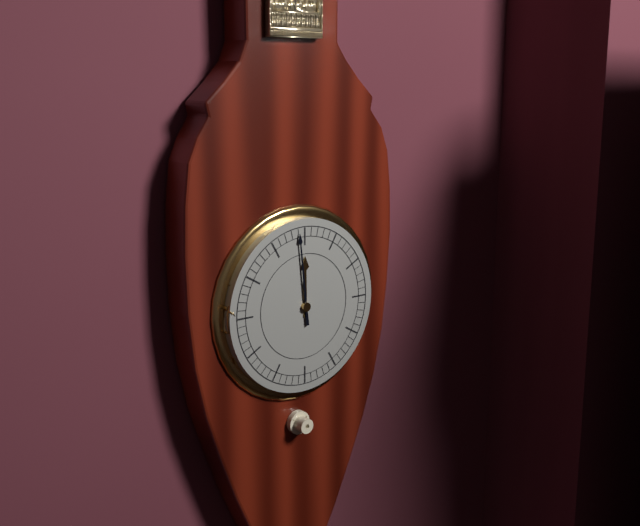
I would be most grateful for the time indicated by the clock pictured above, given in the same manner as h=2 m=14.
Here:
h=11 m=59
